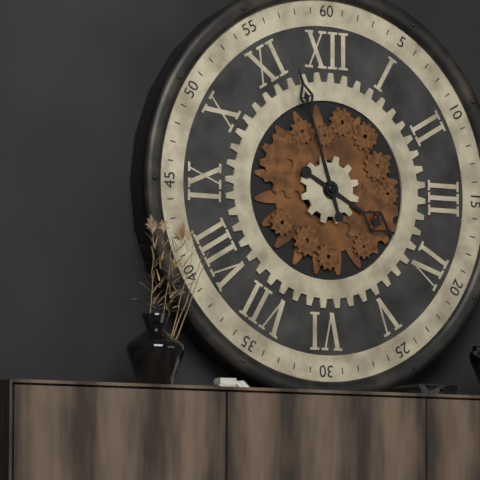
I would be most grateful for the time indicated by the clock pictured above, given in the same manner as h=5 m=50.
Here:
h=3 m=57
